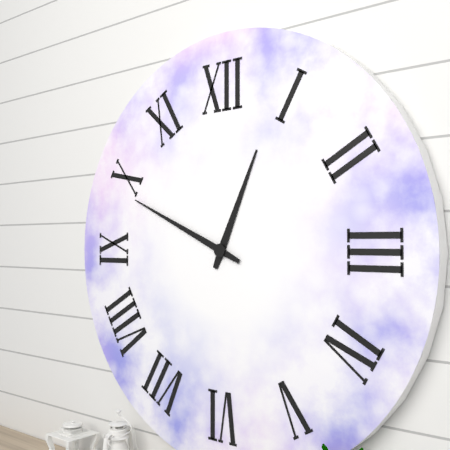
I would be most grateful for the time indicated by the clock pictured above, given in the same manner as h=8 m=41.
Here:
h=12 m=49
